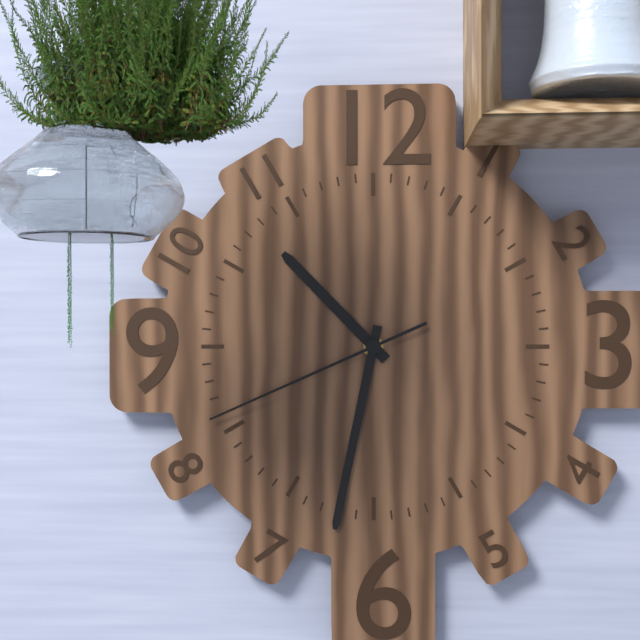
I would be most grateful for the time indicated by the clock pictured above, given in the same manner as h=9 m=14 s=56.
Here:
h=10 m=32 s=41
